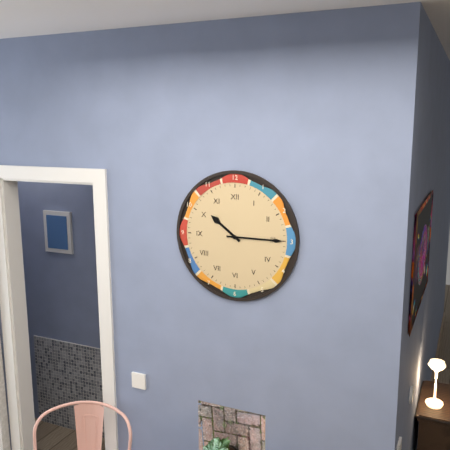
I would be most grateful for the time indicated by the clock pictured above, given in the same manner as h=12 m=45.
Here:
h=10 m=15
